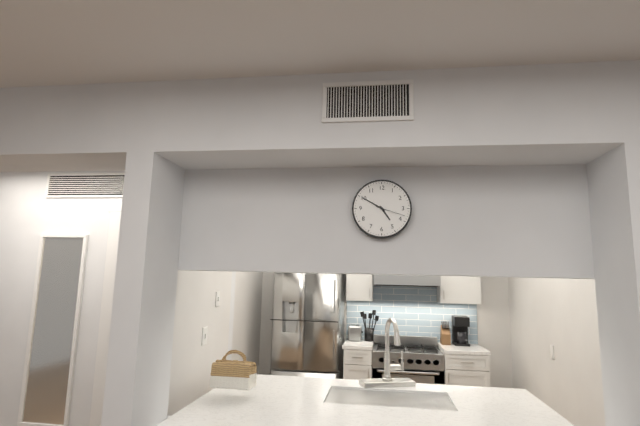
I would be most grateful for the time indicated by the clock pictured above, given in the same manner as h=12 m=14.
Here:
h=4 m=50
